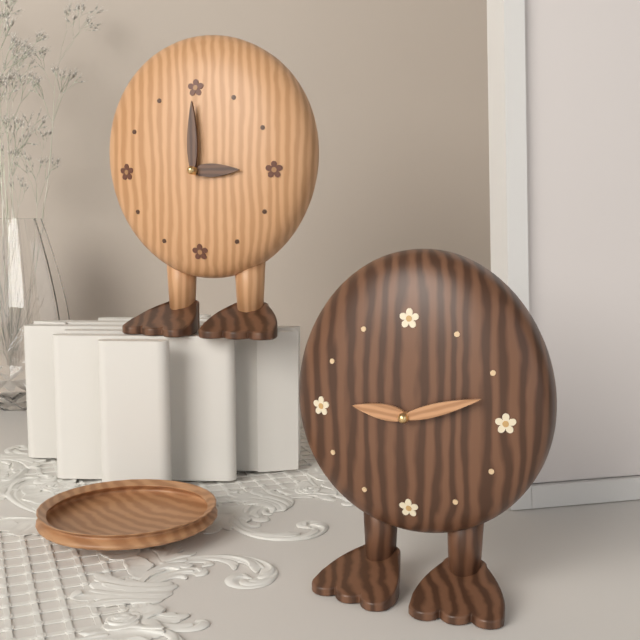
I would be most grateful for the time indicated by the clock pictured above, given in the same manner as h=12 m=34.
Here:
h=9 m=12
